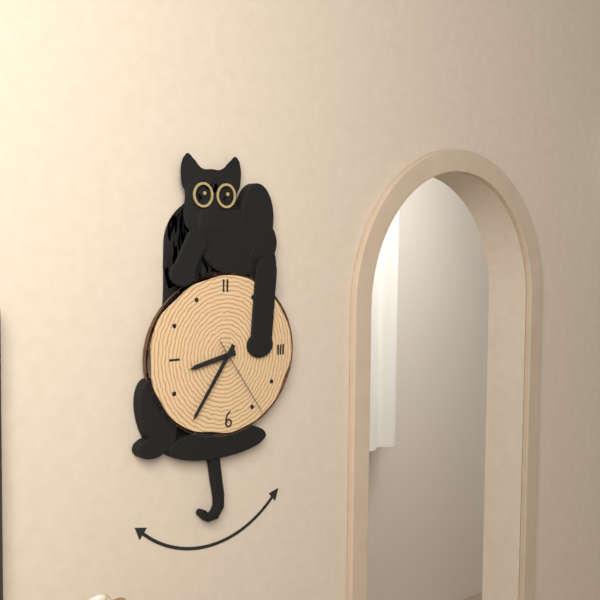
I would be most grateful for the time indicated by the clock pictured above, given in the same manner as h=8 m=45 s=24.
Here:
h=8 m=36 s=24
